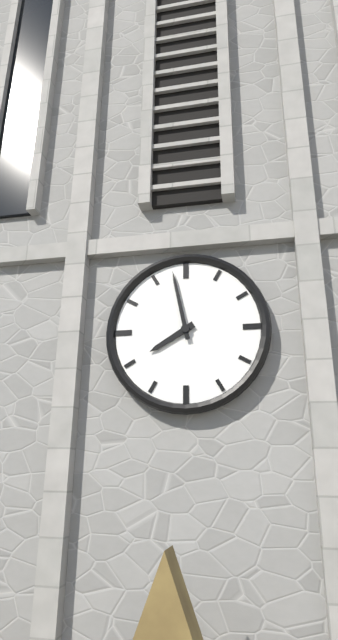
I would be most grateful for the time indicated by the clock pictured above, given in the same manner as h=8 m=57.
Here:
h=7 m=58
